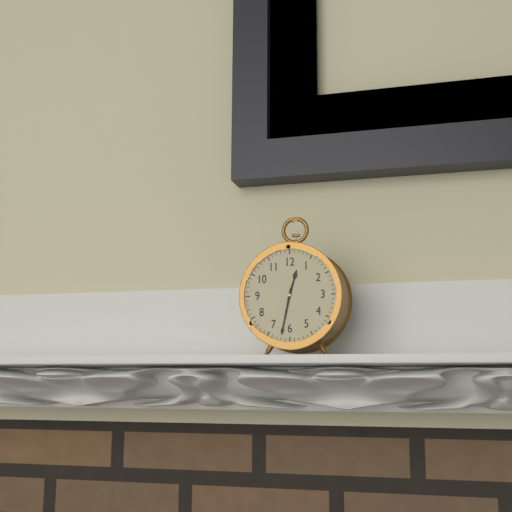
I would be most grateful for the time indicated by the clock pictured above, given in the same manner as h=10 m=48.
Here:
h=12 m=32
